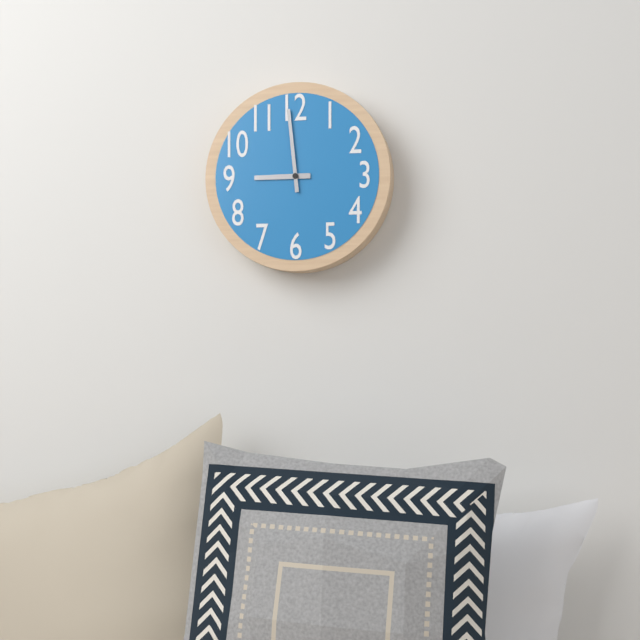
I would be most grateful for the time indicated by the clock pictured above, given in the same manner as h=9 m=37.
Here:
h=8 m=59
